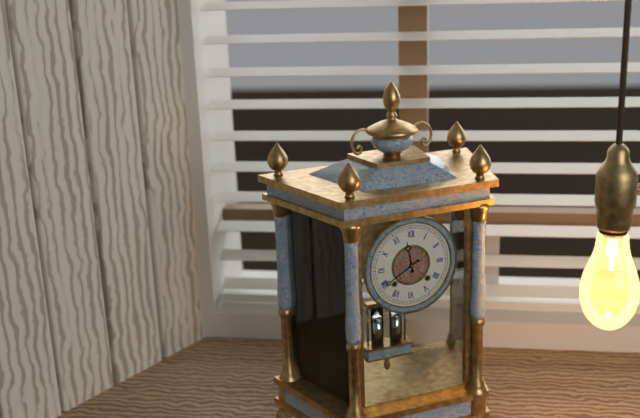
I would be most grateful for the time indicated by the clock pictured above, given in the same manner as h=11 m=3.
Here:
h=11 m=40
